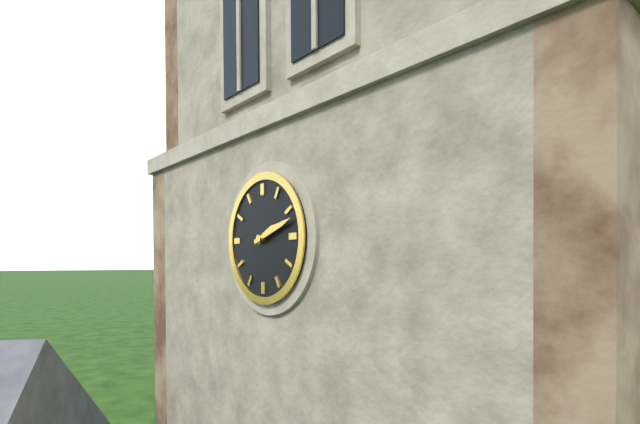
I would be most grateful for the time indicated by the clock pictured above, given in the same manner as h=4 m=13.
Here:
h=2 m=12
